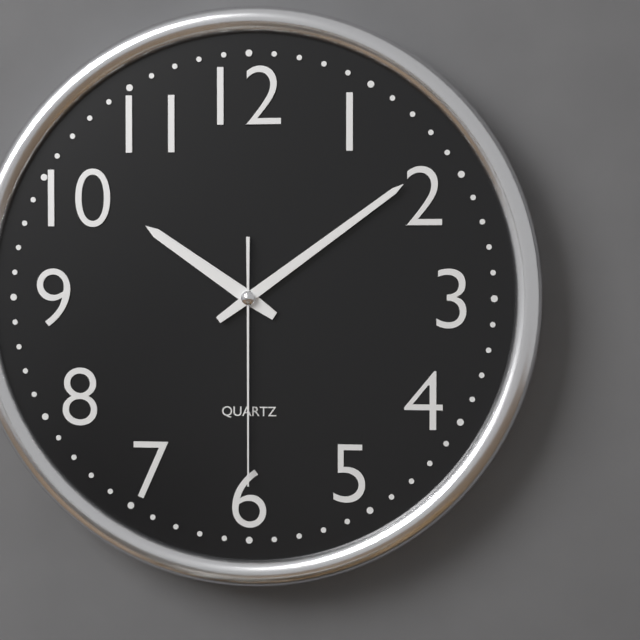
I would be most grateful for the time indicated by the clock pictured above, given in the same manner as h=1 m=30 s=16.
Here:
h=10 m=9 s=30
